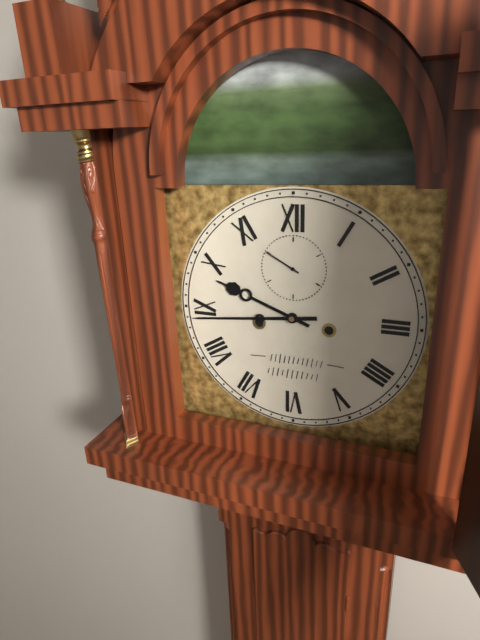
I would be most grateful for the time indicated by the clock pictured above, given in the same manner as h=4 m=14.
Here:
h=9 m=44
